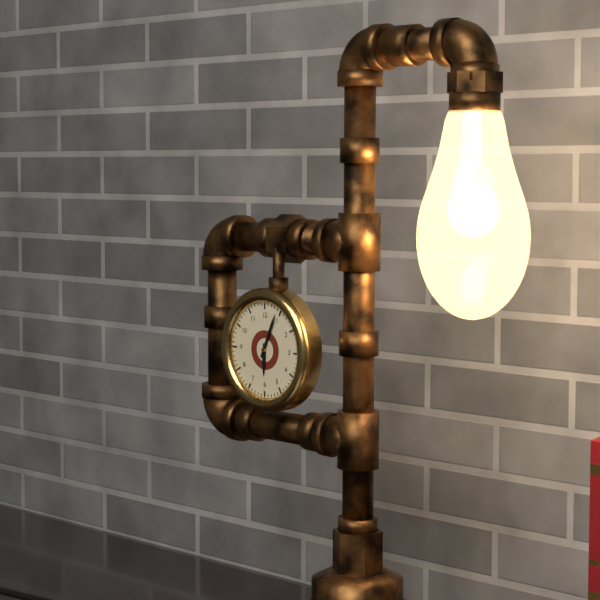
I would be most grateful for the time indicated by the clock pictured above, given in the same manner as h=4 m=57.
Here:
h=6 m=4
